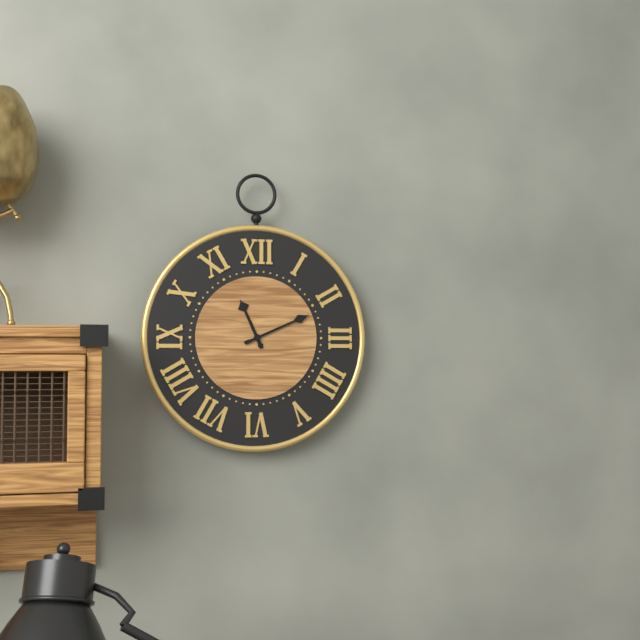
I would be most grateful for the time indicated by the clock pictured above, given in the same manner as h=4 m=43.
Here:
h=11 m=11
